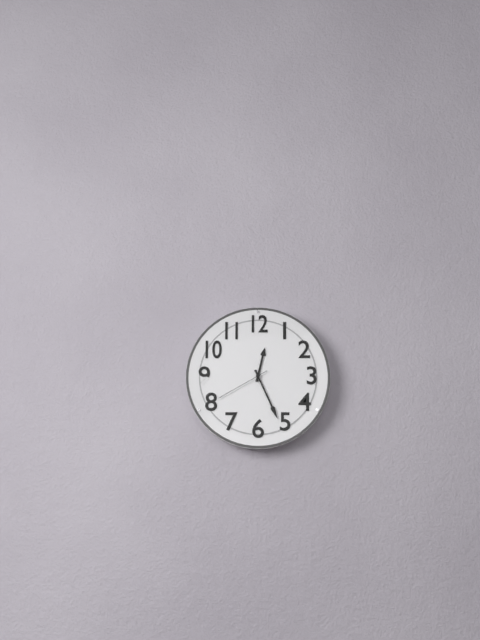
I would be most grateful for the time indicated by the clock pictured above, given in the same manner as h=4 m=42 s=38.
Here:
h=12 m=26 s=40
